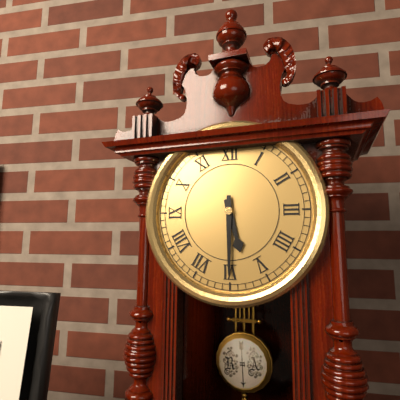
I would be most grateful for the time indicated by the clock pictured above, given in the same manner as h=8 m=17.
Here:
h=5 m=30
